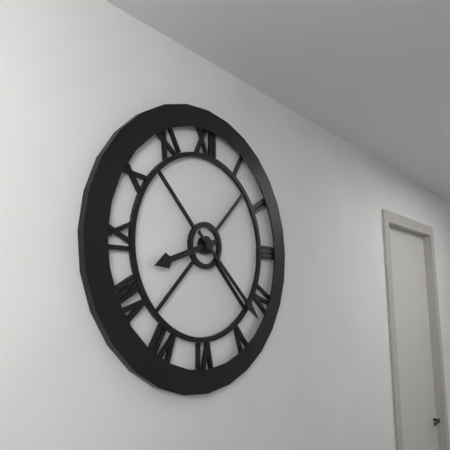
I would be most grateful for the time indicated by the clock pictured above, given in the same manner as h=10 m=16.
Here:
h=8 m=22
